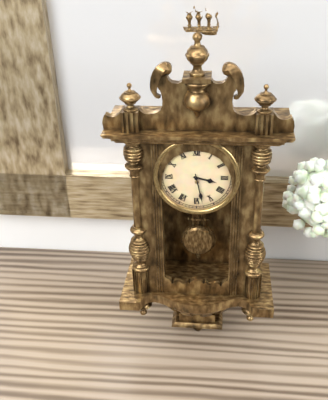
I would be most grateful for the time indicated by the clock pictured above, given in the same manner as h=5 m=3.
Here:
h=3 m=28
